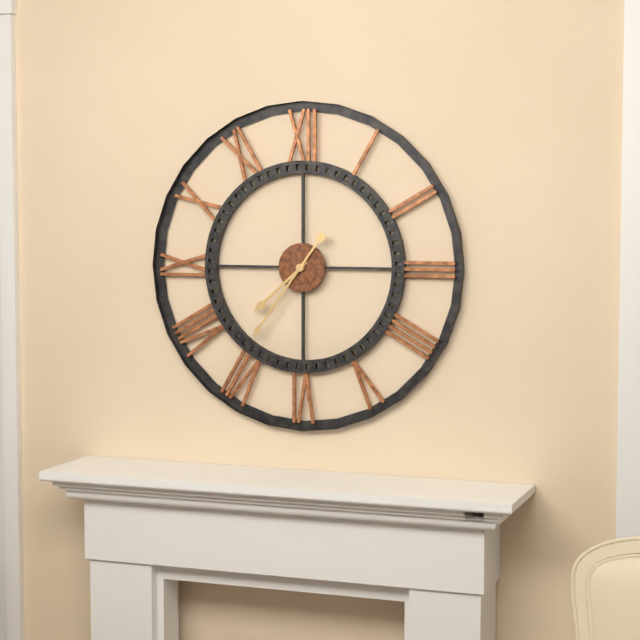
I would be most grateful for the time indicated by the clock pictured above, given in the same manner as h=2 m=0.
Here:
h=7 m=36
